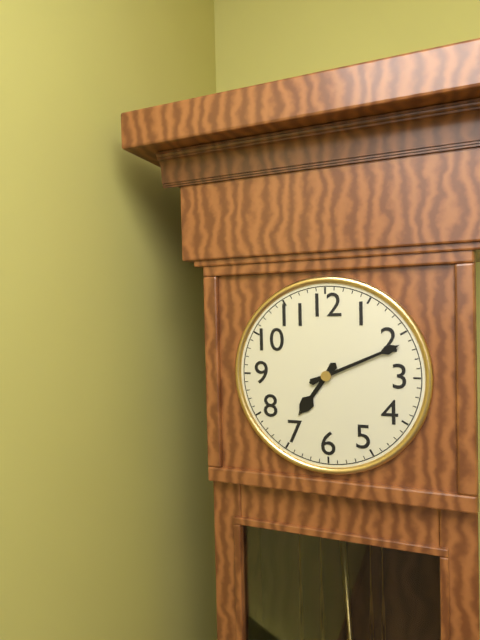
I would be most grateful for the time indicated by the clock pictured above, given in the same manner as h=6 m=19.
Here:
h=7 m=11
